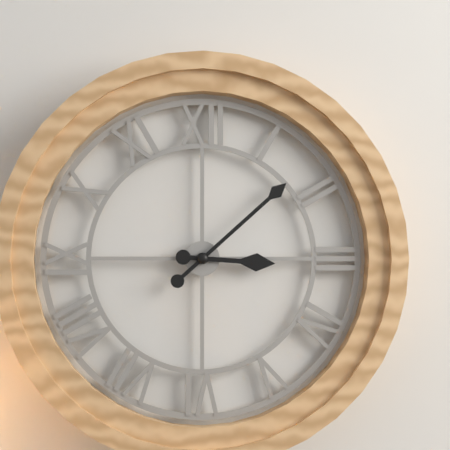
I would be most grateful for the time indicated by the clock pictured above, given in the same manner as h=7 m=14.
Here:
h=3 m=8
